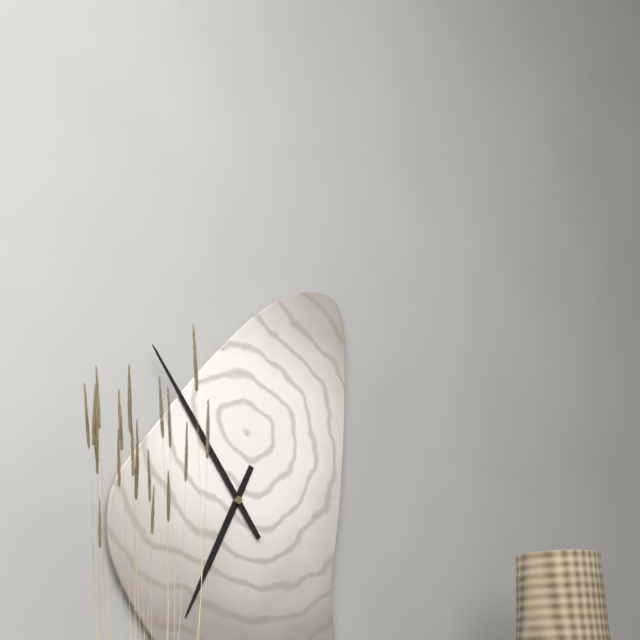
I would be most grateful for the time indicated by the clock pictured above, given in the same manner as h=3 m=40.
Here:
h=6 m=54
